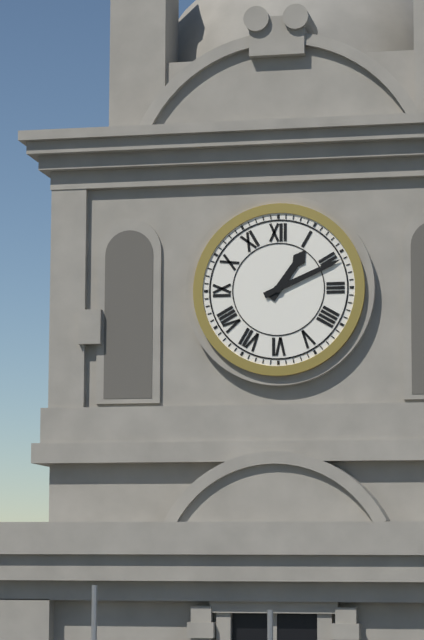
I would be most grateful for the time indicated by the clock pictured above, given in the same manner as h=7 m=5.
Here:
h=1 m=11
